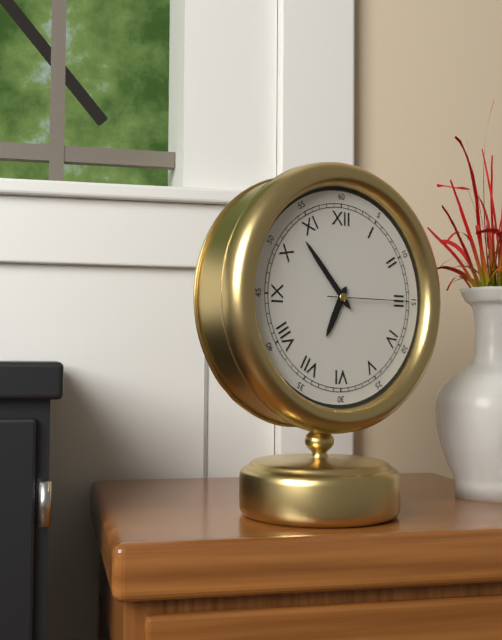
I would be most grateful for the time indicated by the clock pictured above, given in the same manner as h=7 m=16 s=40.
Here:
h=6 m=53 s=15
